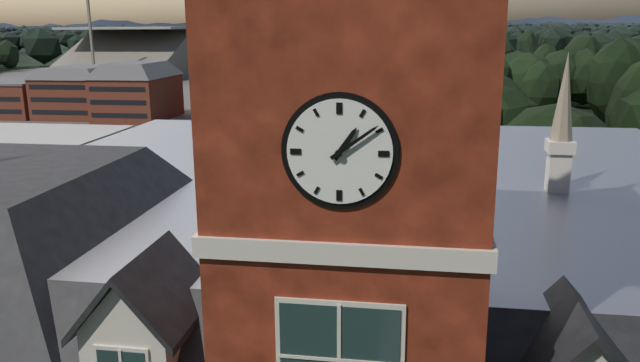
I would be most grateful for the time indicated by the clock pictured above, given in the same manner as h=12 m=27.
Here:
h=1 m=9
